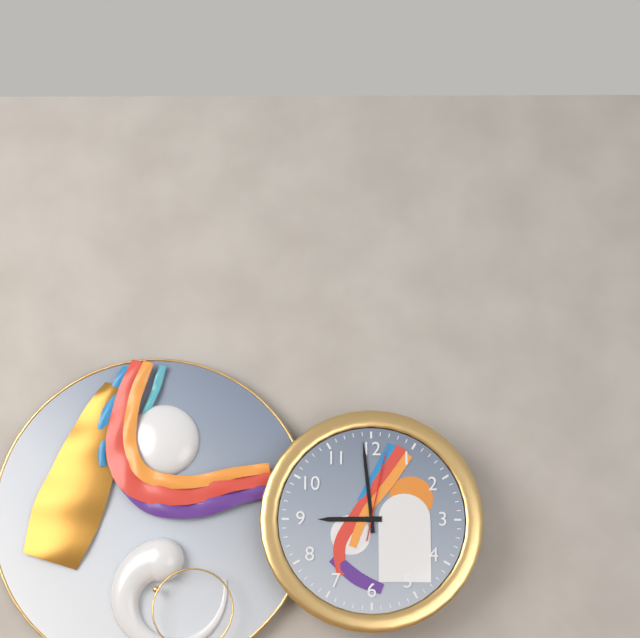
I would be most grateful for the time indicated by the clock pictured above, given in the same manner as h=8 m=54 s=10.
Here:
h=8 m=59 s=2
